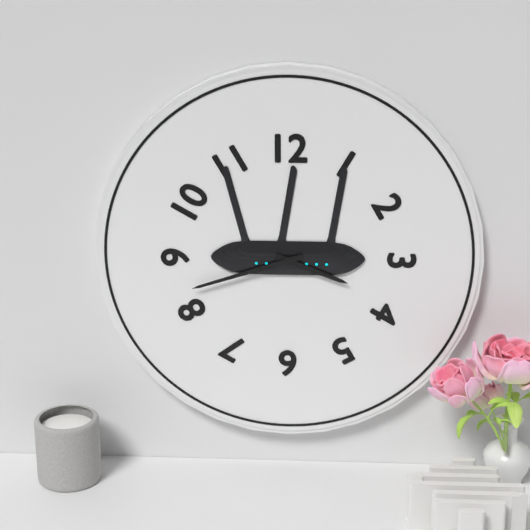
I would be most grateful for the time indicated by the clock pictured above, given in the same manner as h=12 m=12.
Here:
h=3 m=42
